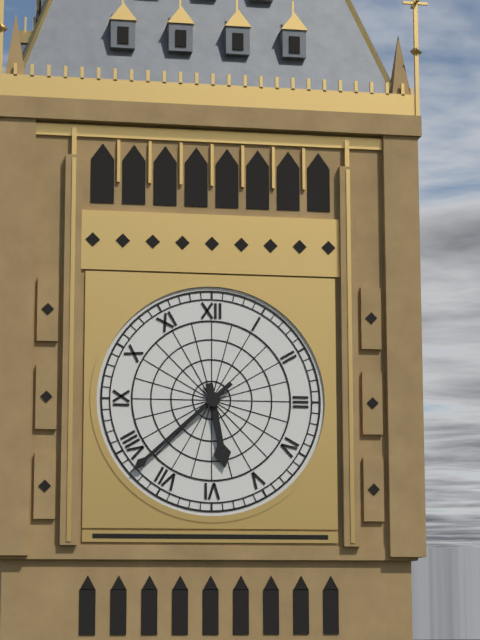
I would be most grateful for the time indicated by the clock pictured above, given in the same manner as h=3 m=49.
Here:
h=5 m=38
